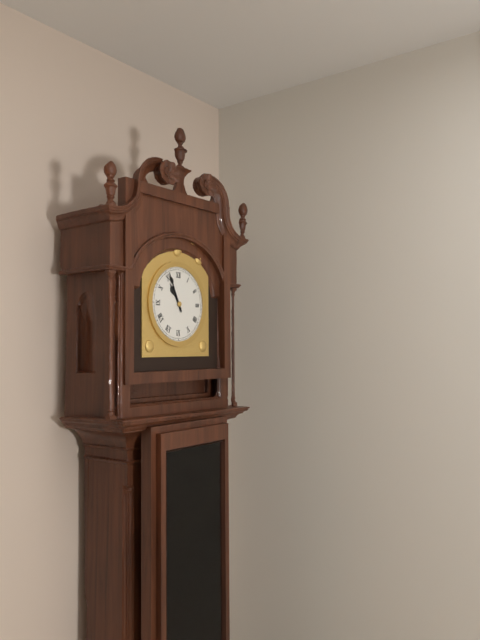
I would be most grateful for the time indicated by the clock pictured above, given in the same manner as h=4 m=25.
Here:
h=10 m=56
